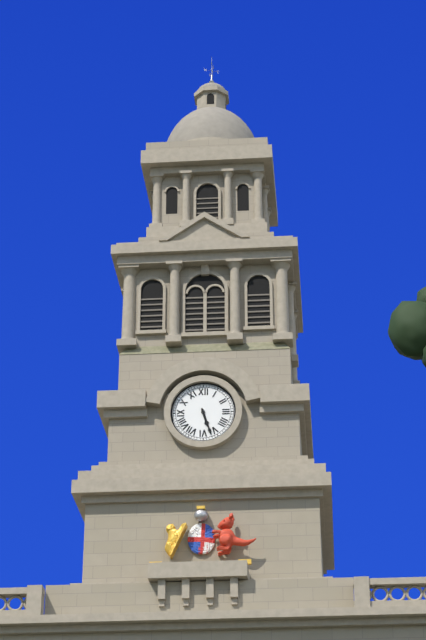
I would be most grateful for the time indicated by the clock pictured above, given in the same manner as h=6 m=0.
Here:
h=5 m=27
